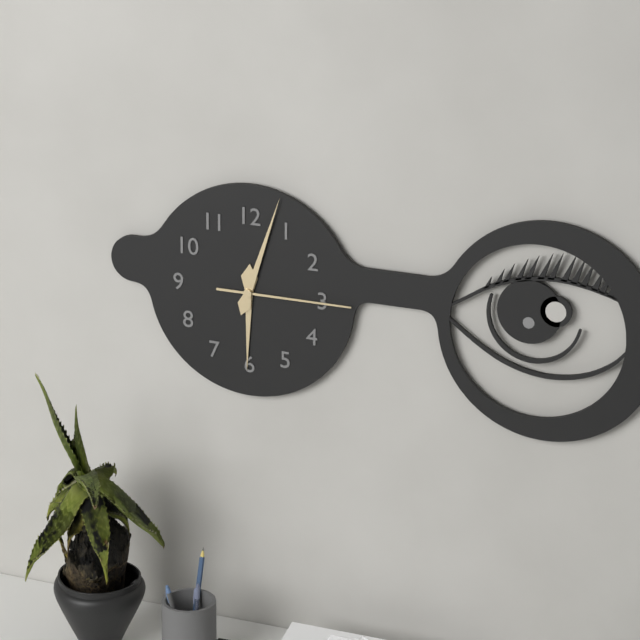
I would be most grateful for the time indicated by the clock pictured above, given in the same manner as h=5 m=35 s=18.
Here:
h=6 m=3 s=15
